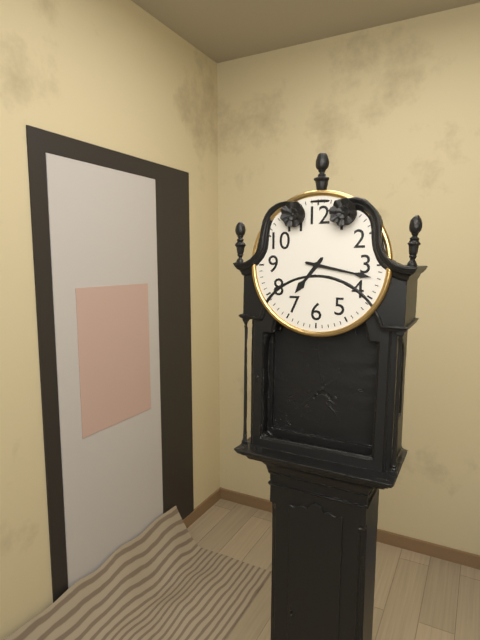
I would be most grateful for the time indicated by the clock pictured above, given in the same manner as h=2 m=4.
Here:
h=7 m=17
